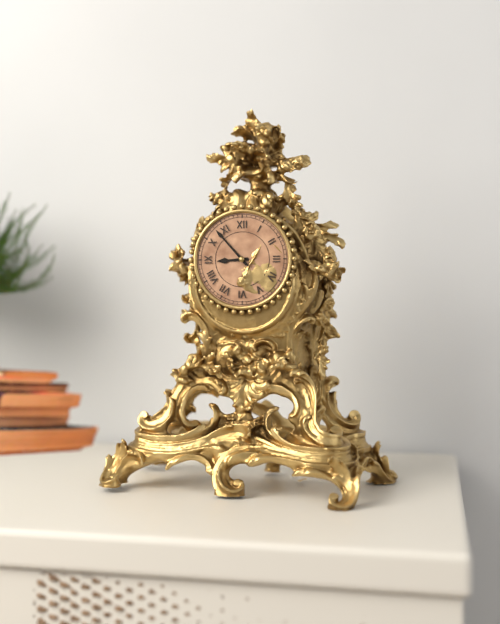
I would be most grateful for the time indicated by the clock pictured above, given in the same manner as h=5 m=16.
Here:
h=8 m=53
